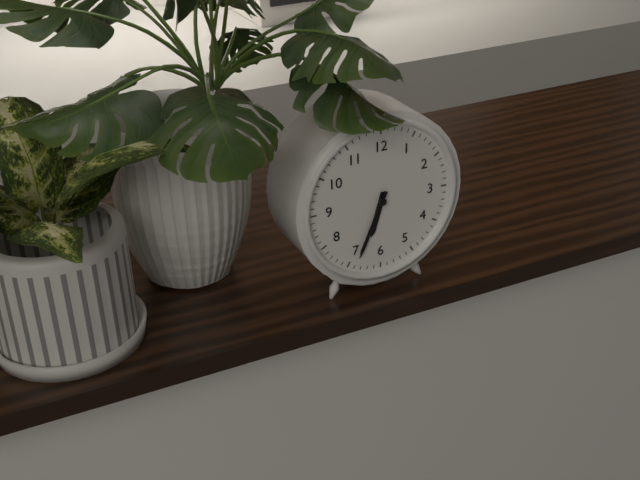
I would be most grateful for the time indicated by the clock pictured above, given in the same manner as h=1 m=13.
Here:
h=6 m=34
